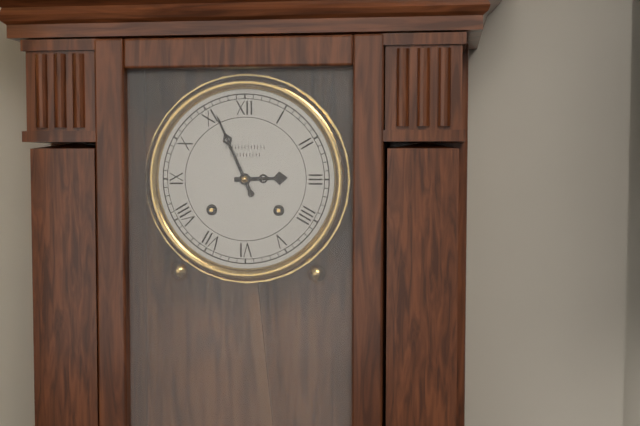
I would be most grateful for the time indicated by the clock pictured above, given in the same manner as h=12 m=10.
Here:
h=2 m=56
